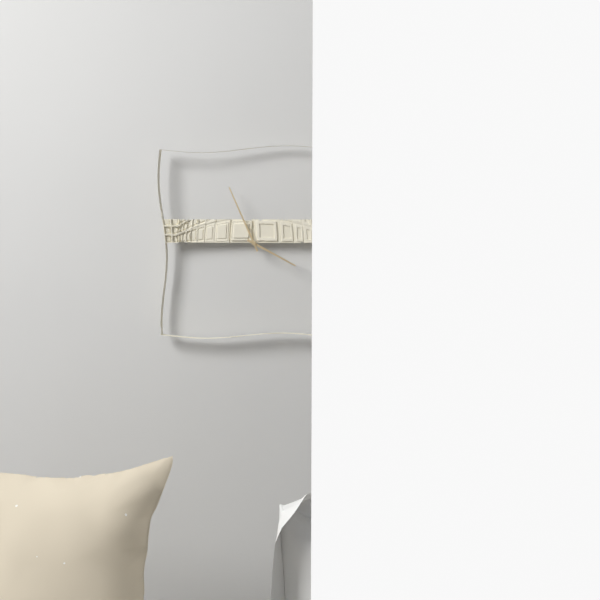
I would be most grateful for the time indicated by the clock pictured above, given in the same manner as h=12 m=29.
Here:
h=3 m=56
